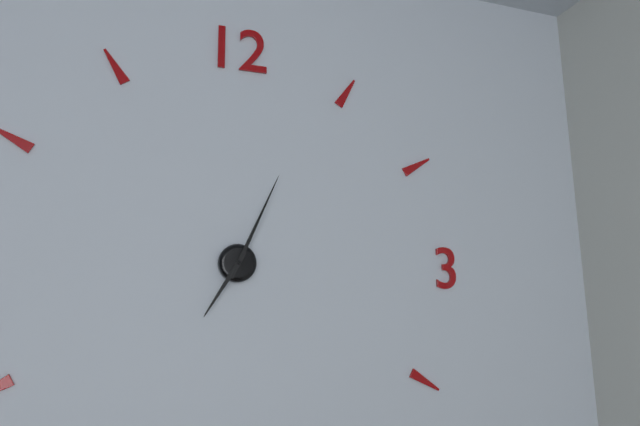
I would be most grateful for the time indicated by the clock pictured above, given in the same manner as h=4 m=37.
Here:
h=7 m=4
